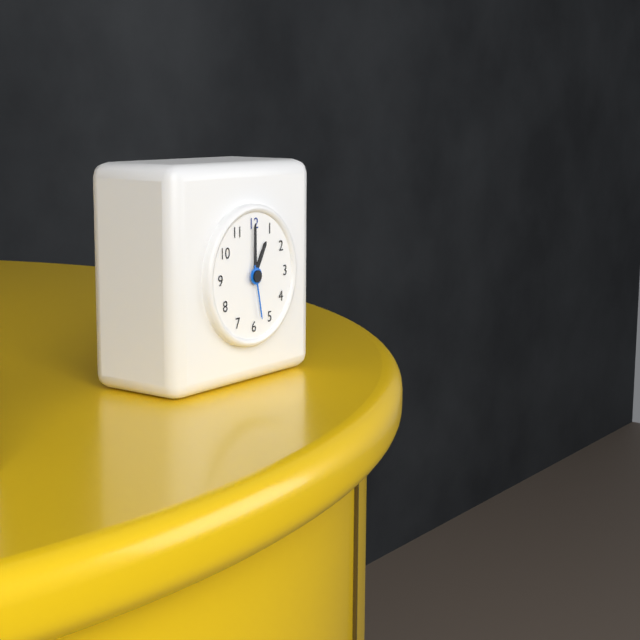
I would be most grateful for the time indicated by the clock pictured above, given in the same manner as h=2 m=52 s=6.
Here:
h=1 m=0 s=28
